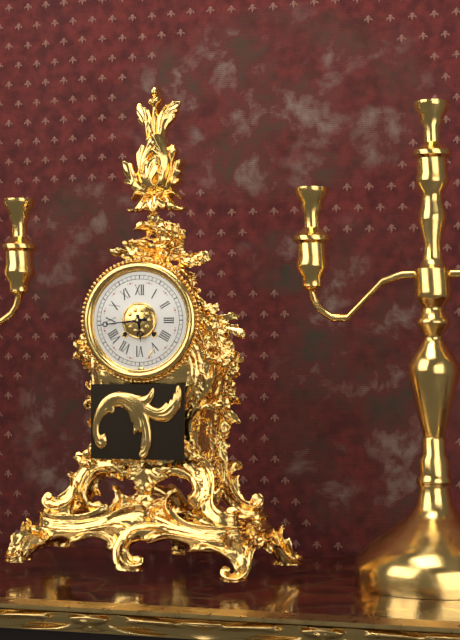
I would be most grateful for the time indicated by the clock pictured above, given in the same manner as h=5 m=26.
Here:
h=5 m=44
